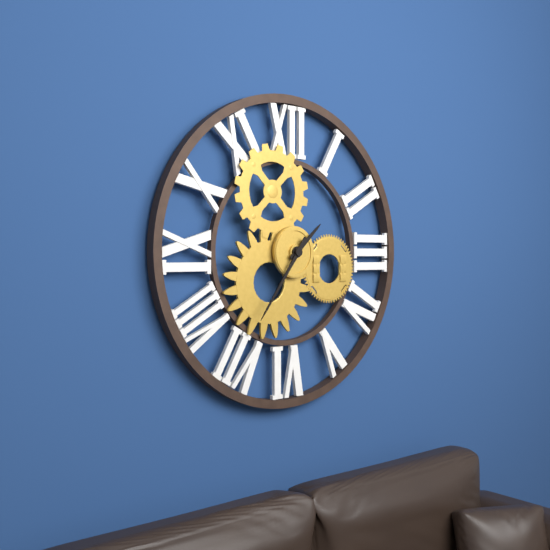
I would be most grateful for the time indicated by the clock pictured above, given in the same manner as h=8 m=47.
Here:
h=1 m=36
